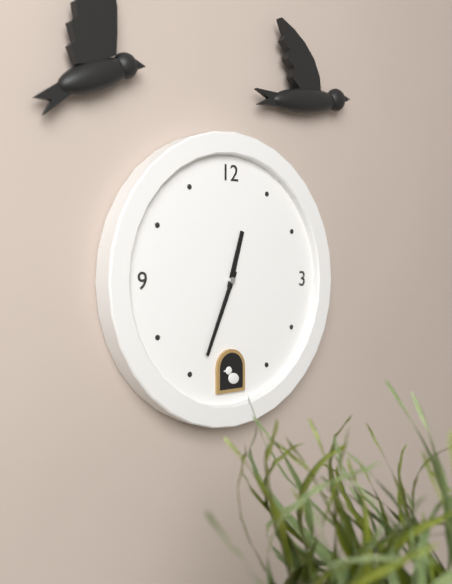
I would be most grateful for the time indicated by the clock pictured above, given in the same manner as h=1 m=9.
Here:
h=12 m=34
